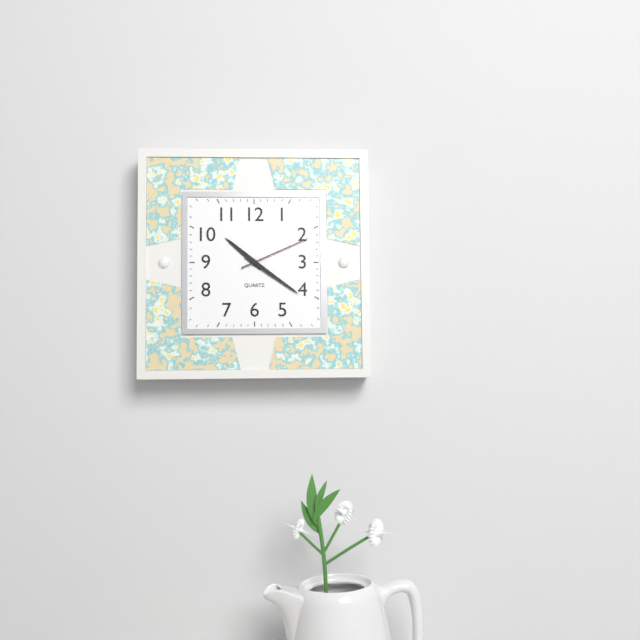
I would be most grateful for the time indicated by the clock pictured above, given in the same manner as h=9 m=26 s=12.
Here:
h=10 m=21 s=11
